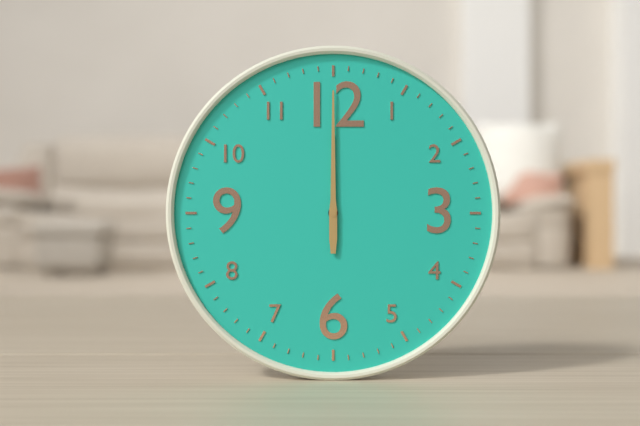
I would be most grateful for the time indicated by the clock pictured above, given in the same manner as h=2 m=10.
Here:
h=12 m=0
